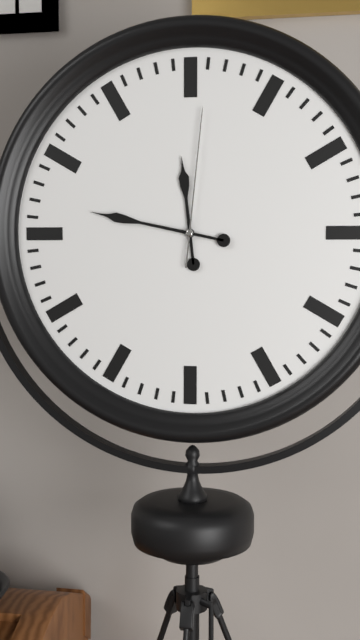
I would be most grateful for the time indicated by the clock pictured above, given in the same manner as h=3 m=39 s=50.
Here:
h=11 m=47 s=1
